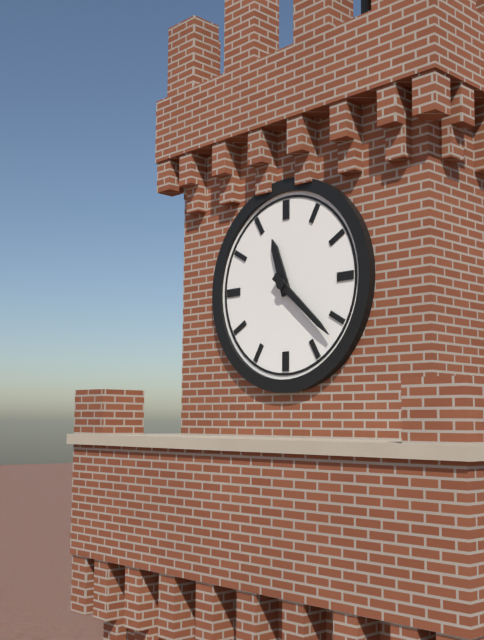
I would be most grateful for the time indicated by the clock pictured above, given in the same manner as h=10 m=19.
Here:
h=11 m=22
